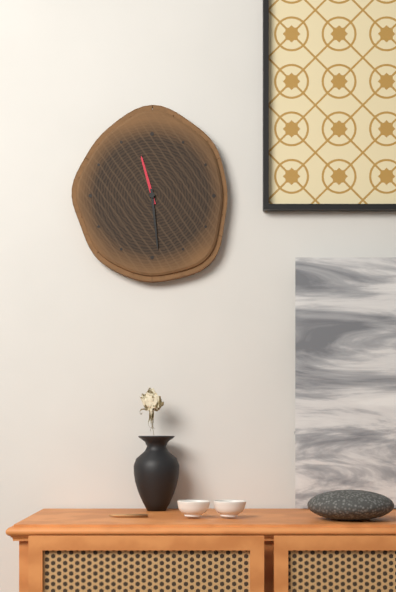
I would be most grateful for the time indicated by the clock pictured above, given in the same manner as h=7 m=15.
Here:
h=11 m=29
